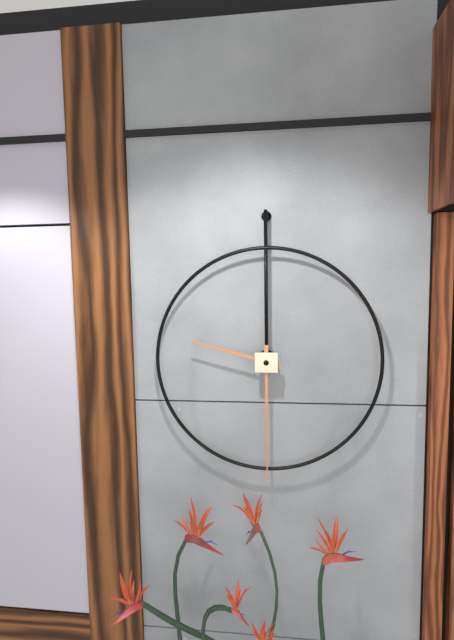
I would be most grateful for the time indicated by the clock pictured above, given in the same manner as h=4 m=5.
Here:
h=9 m=30
